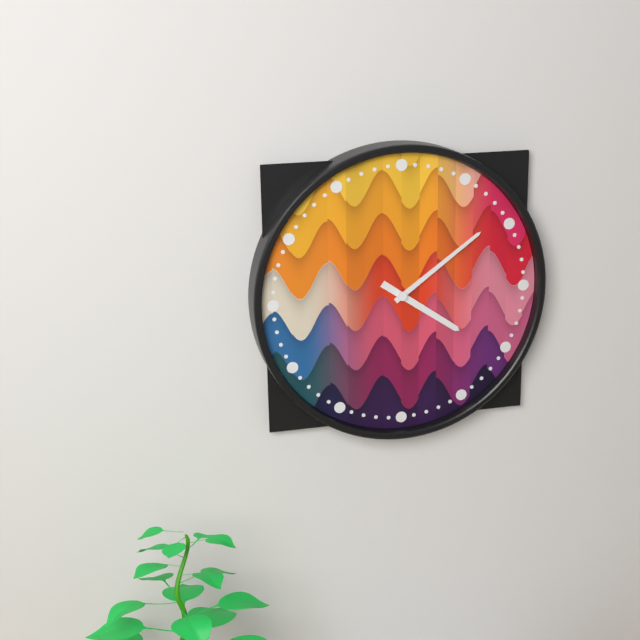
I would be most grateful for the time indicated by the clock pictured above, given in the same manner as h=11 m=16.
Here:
h=4 m=9
